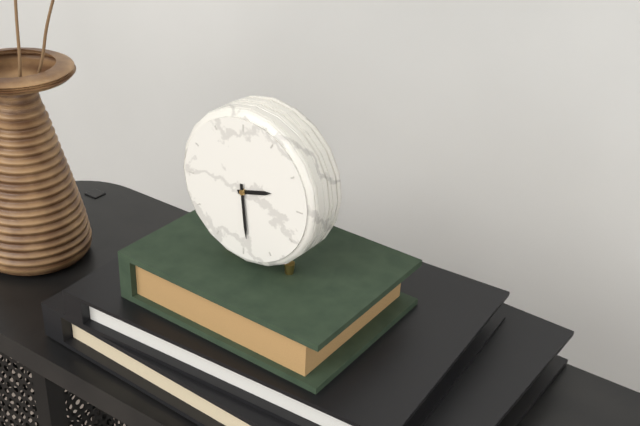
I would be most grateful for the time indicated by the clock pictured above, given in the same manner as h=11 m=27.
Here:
h=2 m=29
